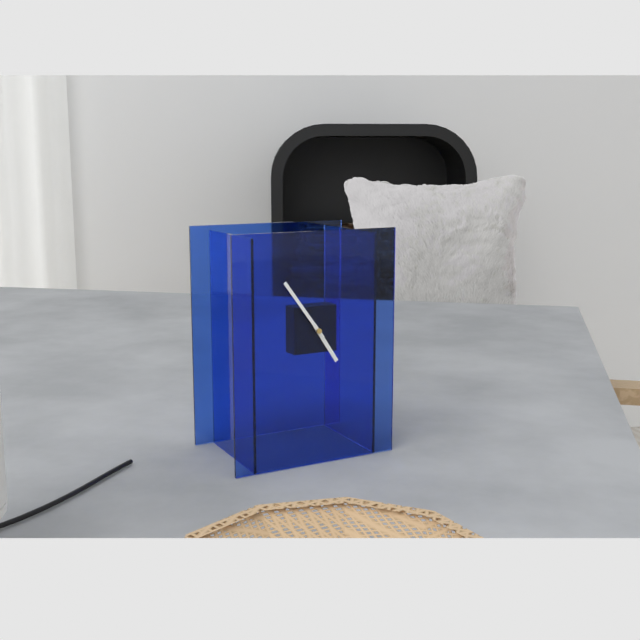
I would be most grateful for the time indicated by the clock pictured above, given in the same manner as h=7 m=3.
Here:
h=4 m=54
